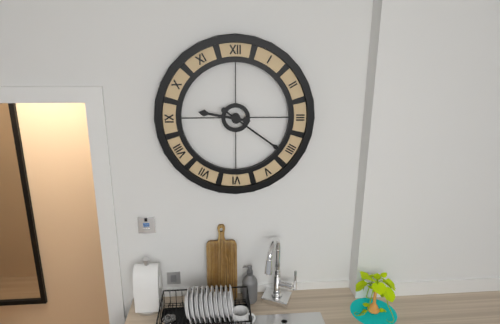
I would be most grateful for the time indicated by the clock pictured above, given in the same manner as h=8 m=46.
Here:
h=9 m=21
